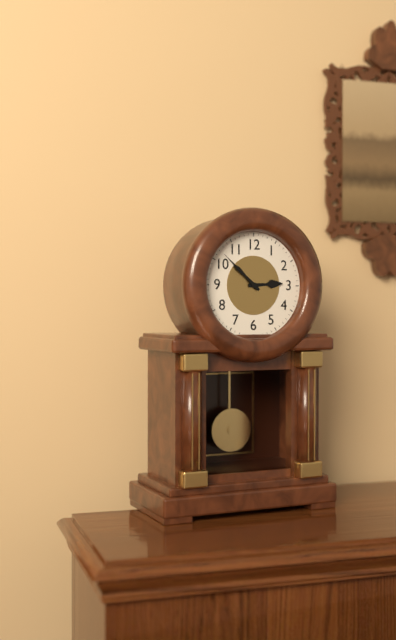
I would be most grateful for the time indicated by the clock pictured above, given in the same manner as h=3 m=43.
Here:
h=2 m=52
